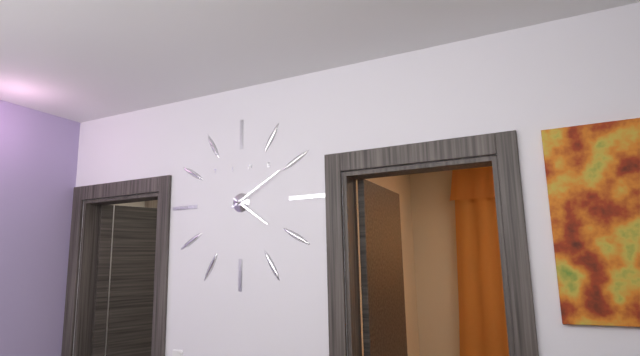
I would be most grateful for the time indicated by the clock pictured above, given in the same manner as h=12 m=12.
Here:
h=4 m=10
